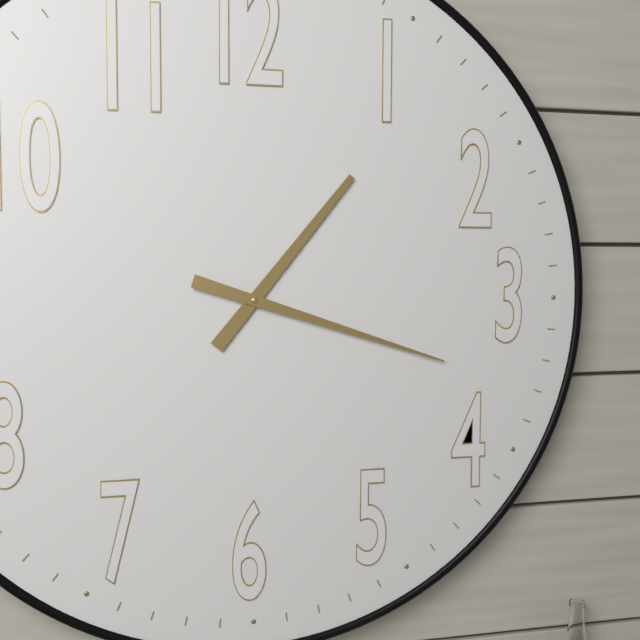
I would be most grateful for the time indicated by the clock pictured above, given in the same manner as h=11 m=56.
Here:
h=1 m=18
